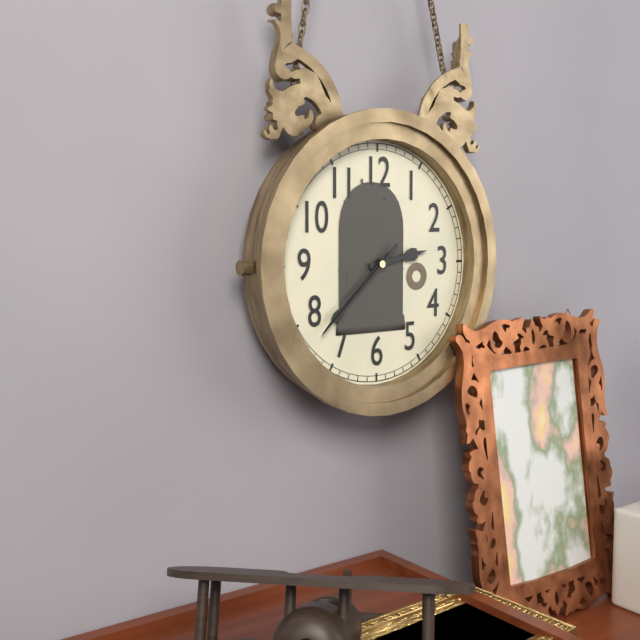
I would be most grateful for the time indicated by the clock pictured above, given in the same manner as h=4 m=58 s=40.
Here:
h=2 m=38 s=38
